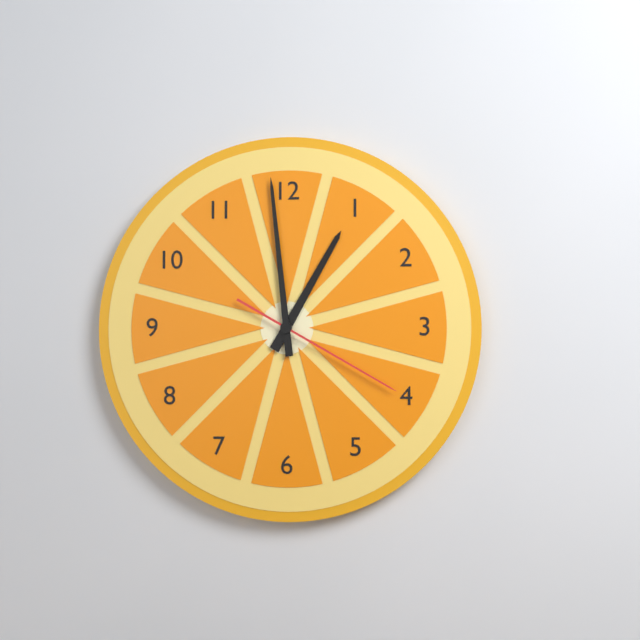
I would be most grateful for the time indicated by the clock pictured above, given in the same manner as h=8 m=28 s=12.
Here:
h=12 m=59 s=20
